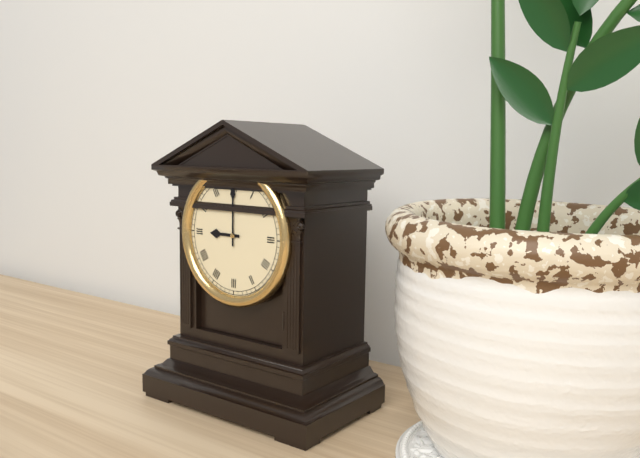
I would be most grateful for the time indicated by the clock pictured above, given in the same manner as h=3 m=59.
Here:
h=9 m=0
